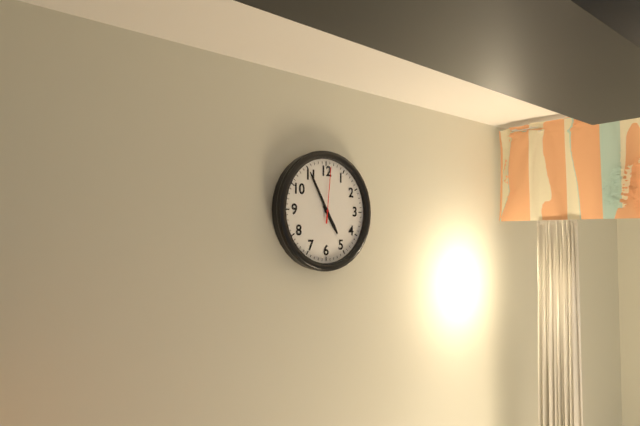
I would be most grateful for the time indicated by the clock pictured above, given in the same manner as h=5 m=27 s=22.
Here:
h=4 m=55 s=1
